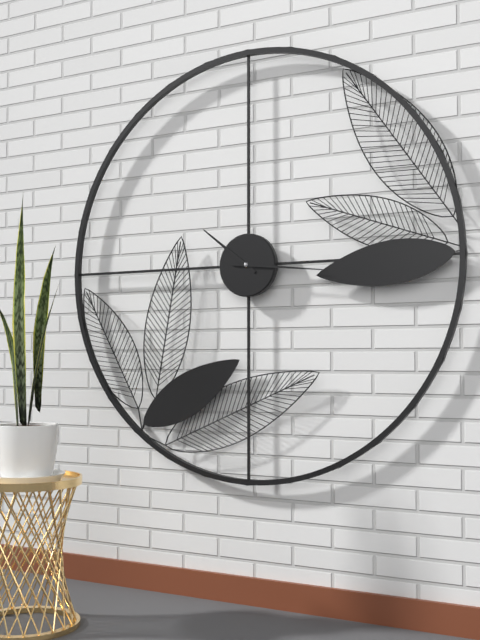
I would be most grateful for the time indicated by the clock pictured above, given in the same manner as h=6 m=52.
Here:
h=10 m=16
